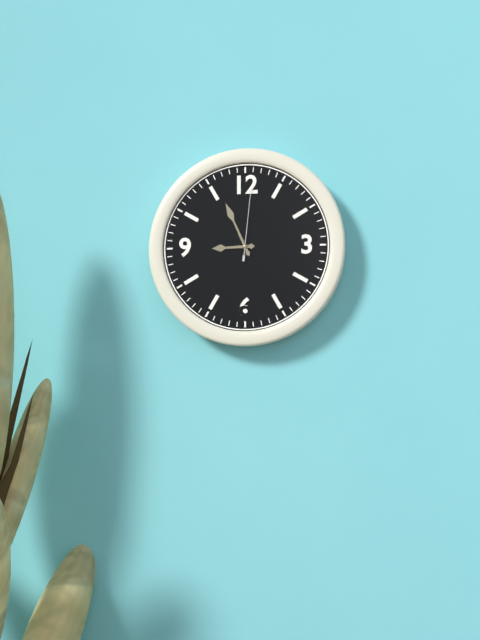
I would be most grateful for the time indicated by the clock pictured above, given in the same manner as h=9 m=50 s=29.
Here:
h=8 m=56 s=1
